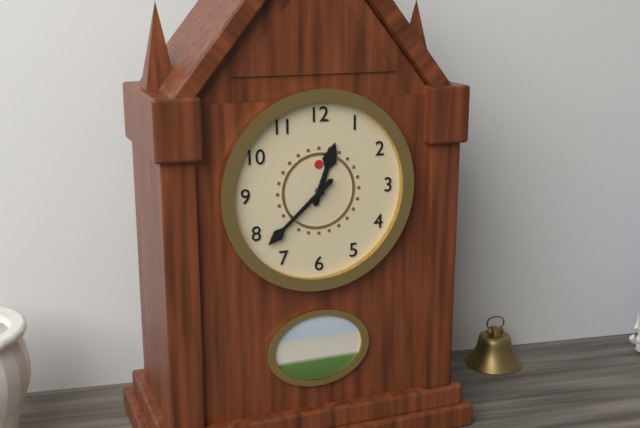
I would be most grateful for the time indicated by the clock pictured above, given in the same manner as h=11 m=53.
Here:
h=12 m=38
